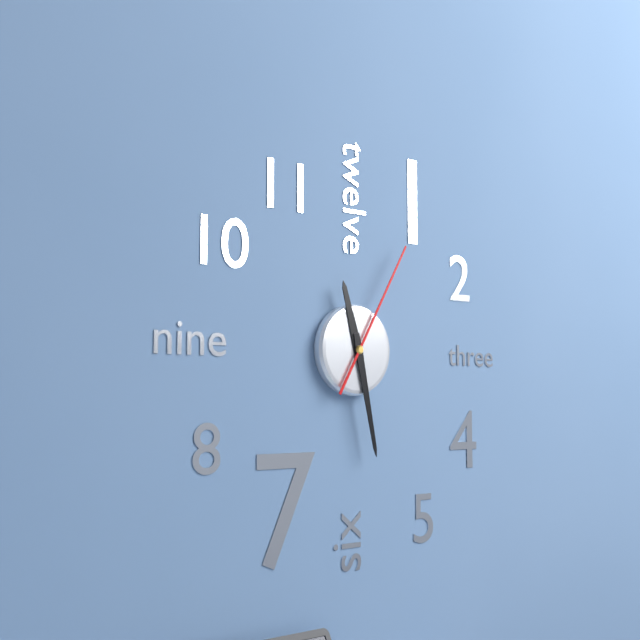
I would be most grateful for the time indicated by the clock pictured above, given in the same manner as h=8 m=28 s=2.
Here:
h=11 m=28 s=5
